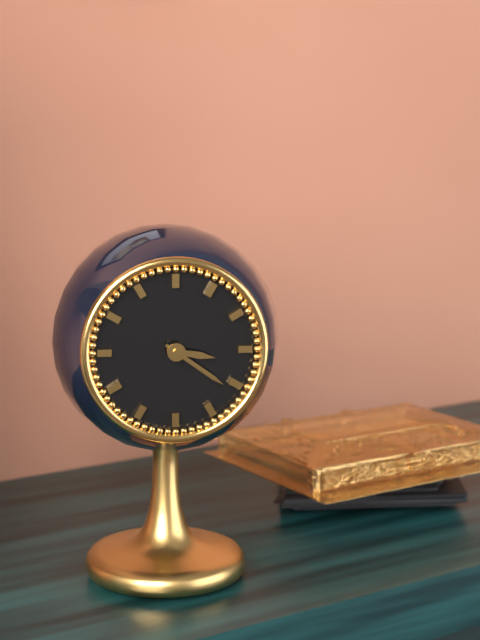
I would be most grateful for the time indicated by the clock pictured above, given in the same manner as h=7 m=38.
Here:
h=3 m=21
